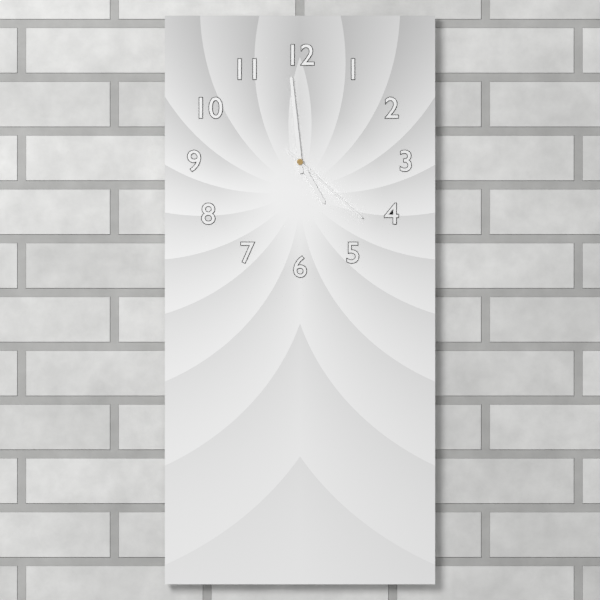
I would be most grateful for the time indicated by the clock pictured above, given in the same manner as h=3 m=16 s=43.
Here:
h=4 m=59 s=22
